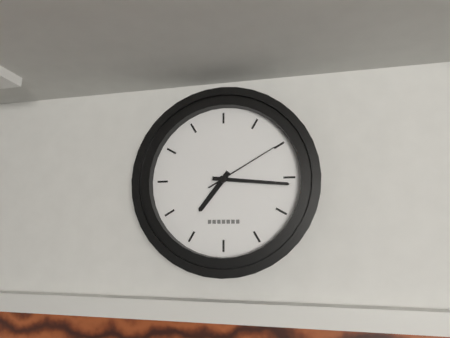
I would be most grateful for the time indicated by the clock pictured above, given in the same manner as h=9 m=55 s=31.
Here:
h=7 m=16 s=10
